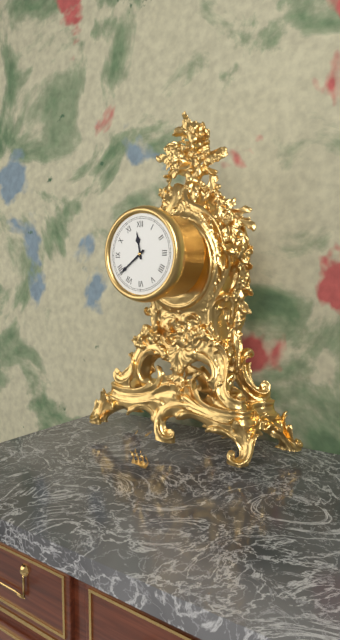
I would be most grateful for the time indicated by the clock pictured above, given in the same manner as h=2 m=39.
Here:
h=11 m=39
